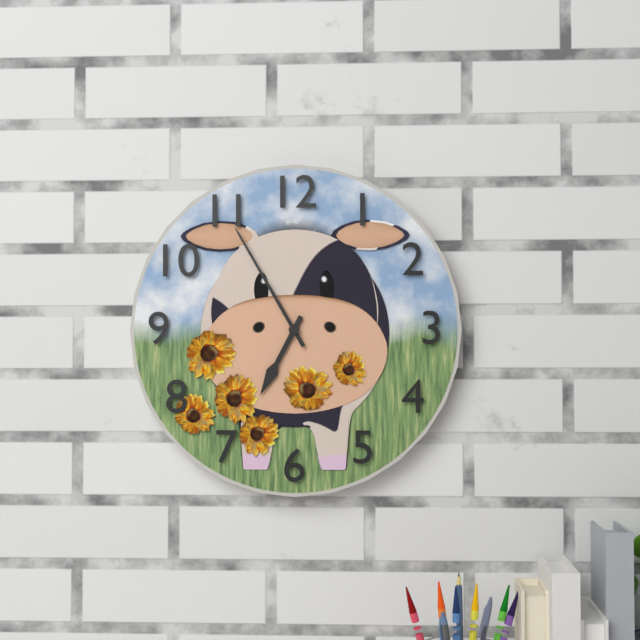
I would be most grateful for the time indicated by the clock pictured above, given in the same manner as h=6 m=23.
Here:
h=6 m=55
